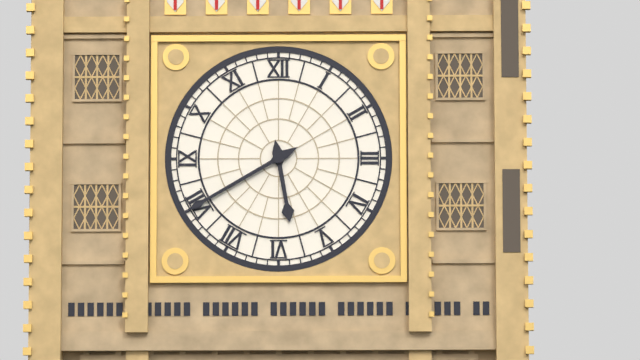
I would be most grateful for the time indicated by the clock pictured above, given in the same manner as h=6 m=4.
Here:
h=5 m=40
